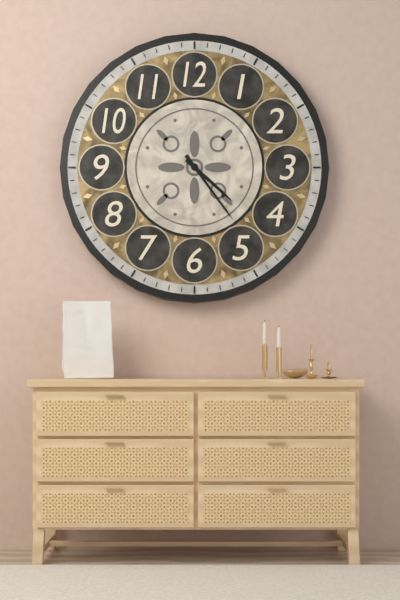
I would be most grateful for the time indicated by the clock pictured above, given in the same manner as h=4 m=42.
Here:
h=4 m=24
